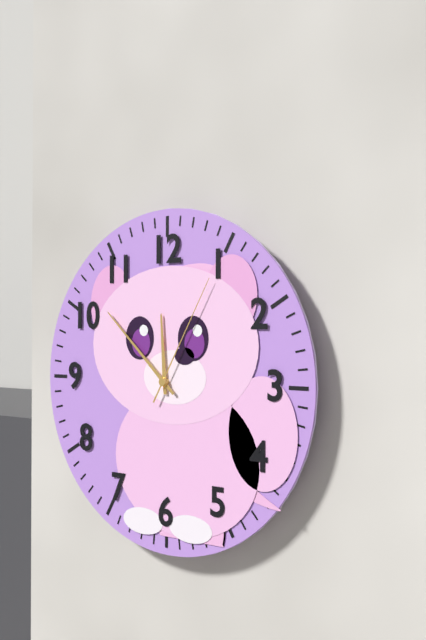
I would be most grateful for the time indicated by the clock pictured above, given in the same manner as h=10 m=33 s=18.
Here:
h=11 m=52 s=5
